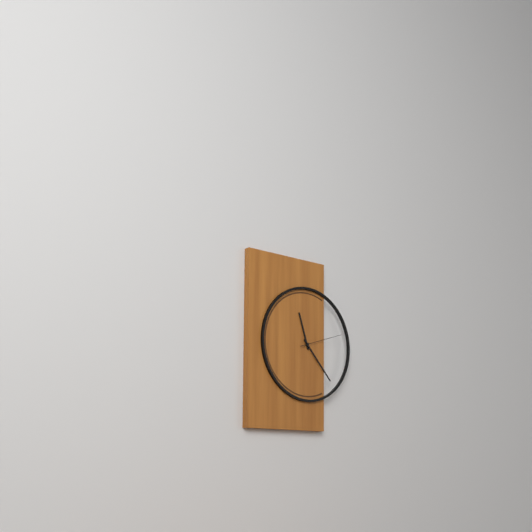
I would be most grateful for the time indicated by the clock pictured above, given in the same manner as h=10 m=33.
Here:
h=11 m=23
